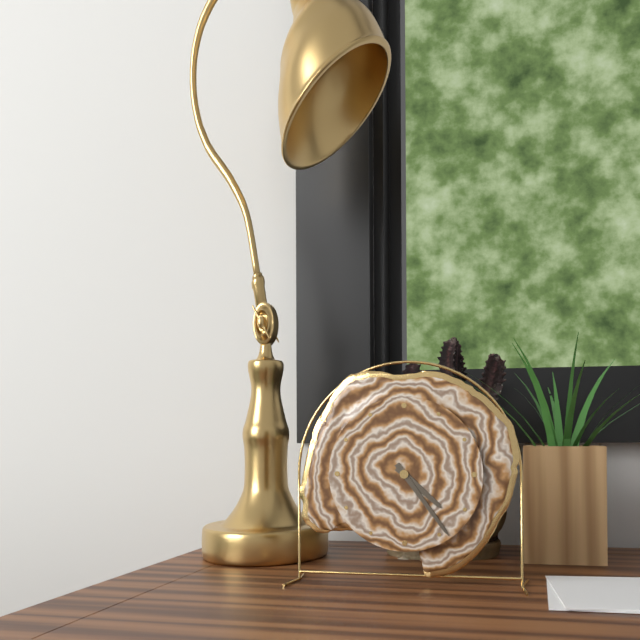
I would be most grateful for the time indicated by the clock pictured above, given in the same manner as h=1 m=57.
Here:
h=4 m=24
